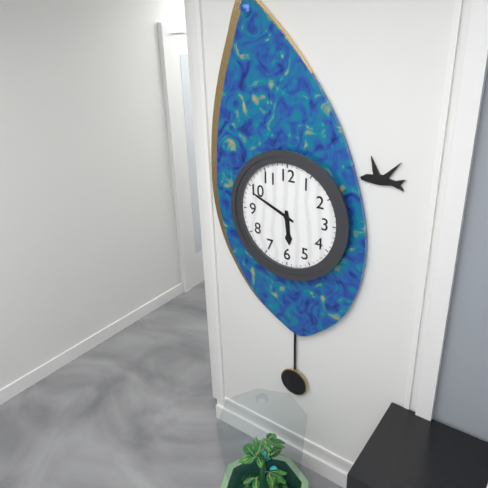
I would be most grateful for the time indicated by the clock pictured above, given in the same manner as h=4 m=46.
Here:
h=5 m=49
